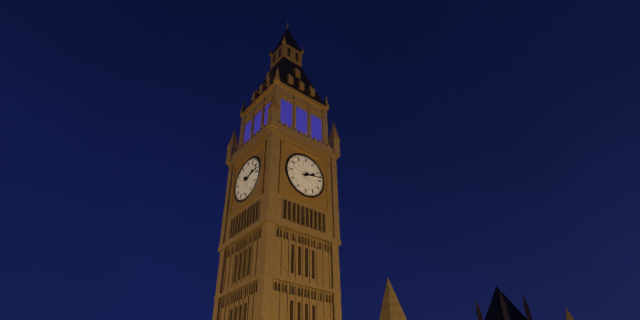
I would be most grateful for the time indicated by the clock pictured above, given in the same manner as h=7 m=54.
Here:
h=2 m=13
